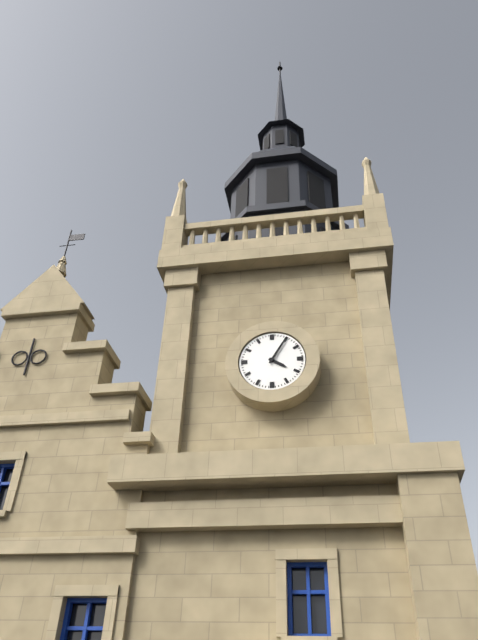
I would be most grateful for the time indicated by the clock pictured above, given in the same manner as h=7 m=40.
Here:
h=4 m=5
